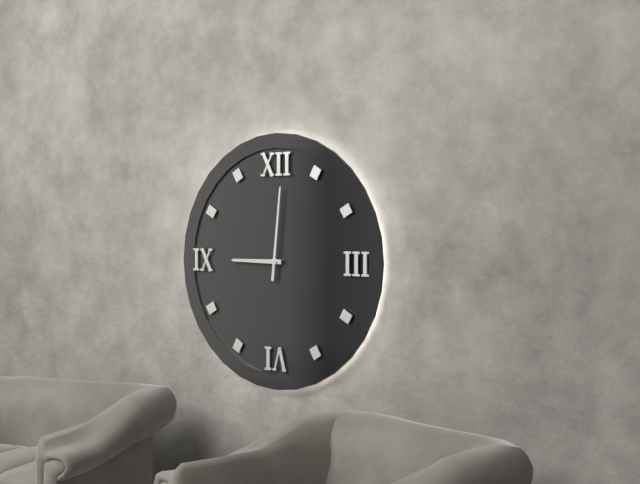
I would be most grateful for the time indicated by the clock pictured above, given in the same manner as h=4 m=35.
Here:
h=9 m=1
